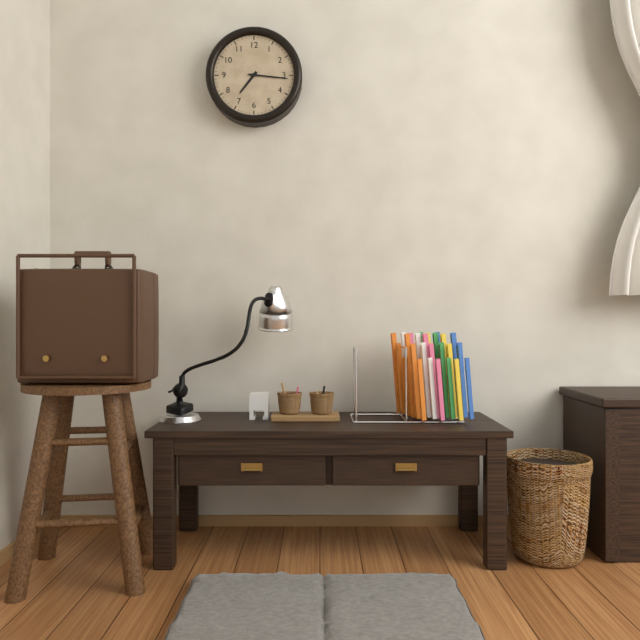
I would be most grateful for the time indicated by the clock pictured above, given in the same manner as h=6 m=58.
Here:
h=7 m=16
